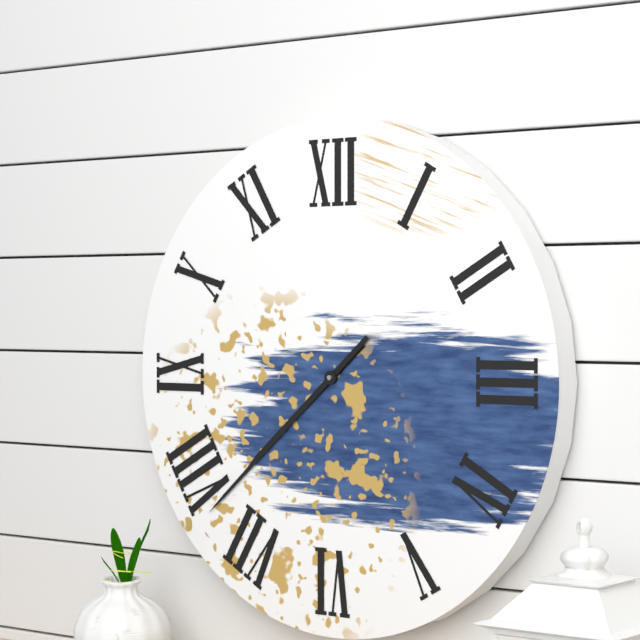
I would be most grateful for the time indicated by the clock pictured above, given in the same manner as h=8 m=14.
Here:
h=7 m=38
